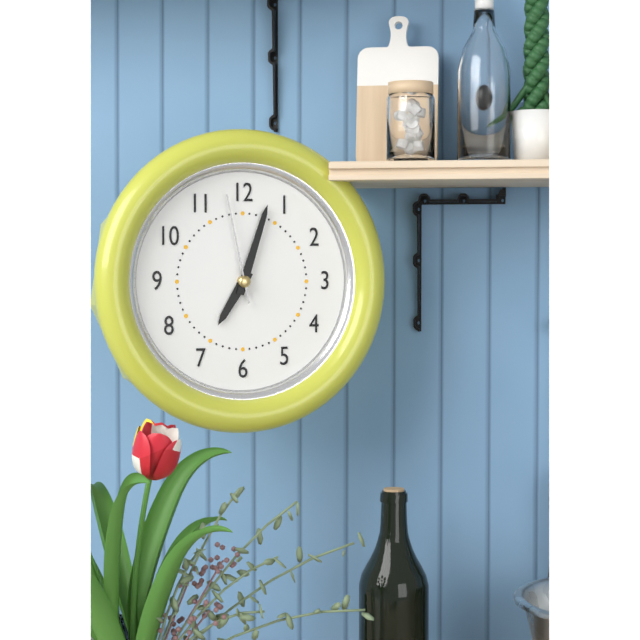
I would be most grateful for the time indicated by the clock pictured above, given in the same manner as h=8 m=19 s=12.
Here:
h=7 m=3 s=58
